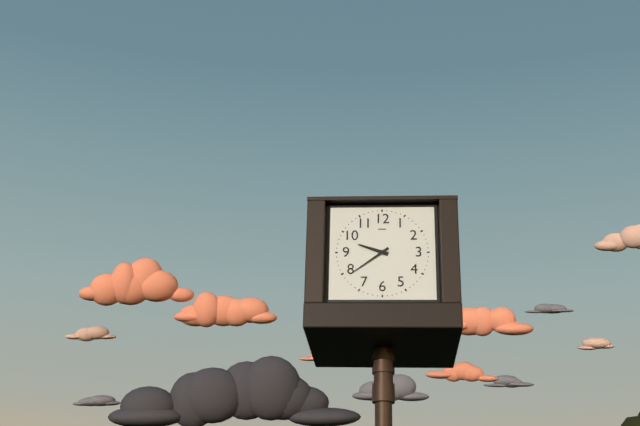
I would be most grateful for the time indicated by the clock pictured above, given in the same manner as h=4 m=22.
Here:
h=9 m=39
